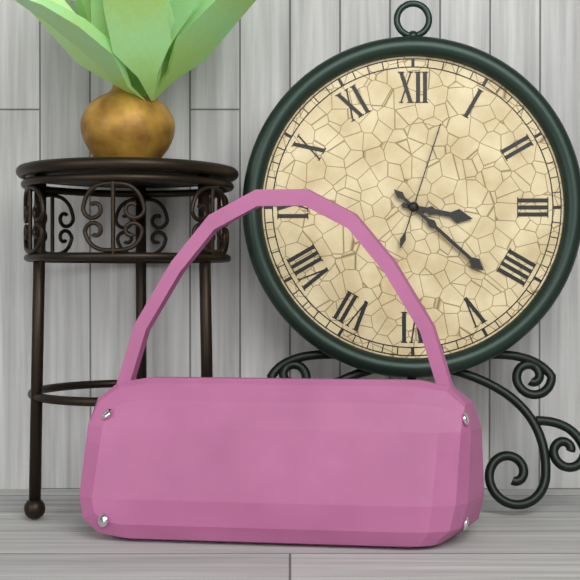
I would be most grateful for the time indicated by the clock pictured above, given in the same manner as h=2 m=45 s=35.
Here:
h=3 m=22 s=3
